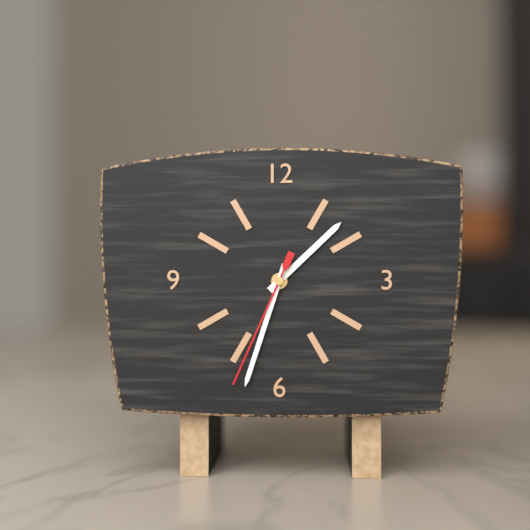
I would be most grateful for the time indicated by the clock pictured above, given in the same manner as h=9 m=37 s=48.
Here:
h=1 m=33 s=34
